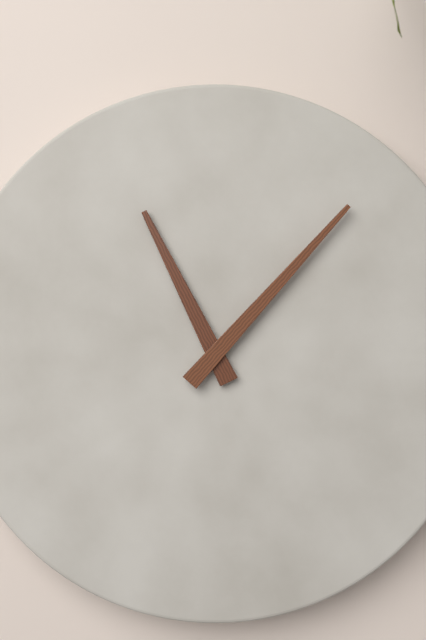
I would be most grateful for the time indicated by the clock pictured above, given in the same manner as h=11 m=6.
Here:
h=11 m=7
